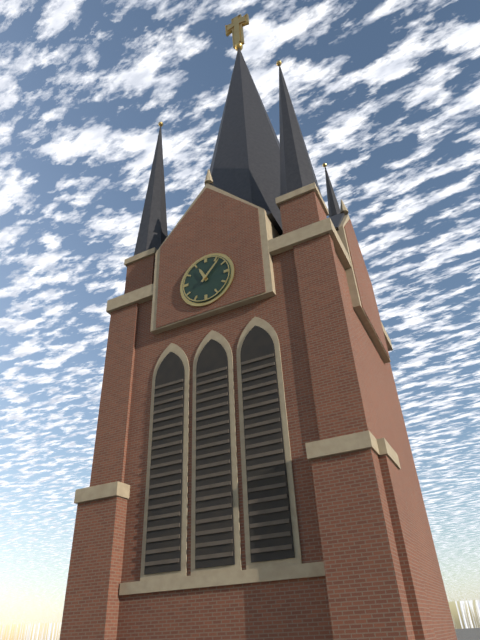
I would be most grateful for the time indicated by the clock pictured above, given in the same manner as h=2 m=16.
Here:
h=11 m=7
